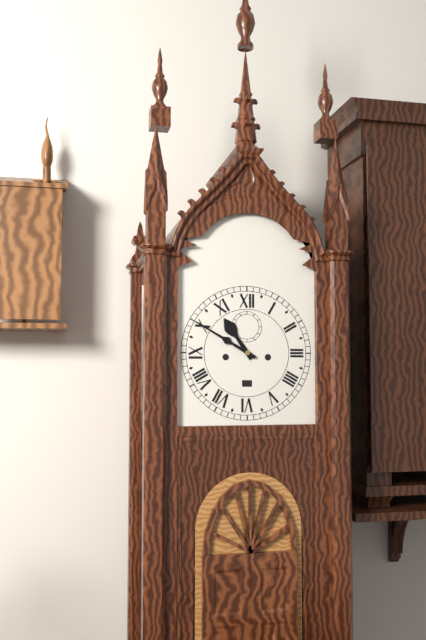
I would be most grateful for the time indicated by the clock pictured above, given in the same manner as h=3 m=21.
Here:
h=10 m=50
